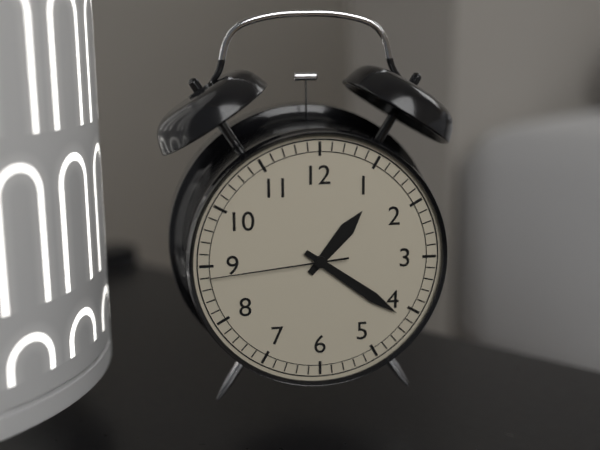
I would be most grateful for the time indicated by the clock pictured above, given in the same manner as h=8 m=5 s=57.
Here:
h=1 m=21 s=44
